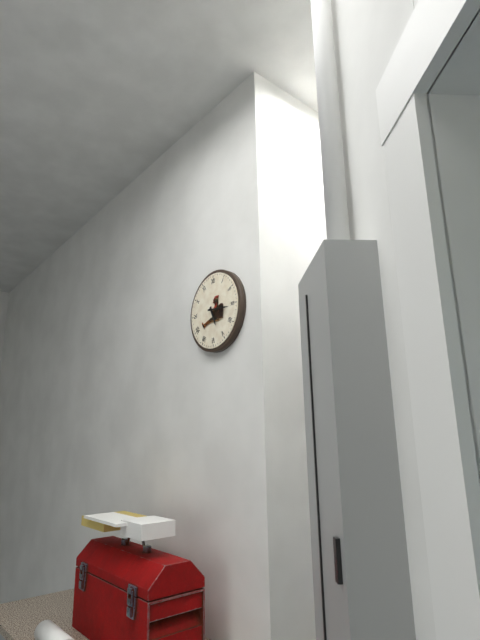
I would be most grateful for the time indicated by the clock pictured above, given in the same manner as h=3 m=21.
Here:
h=5 m=16
